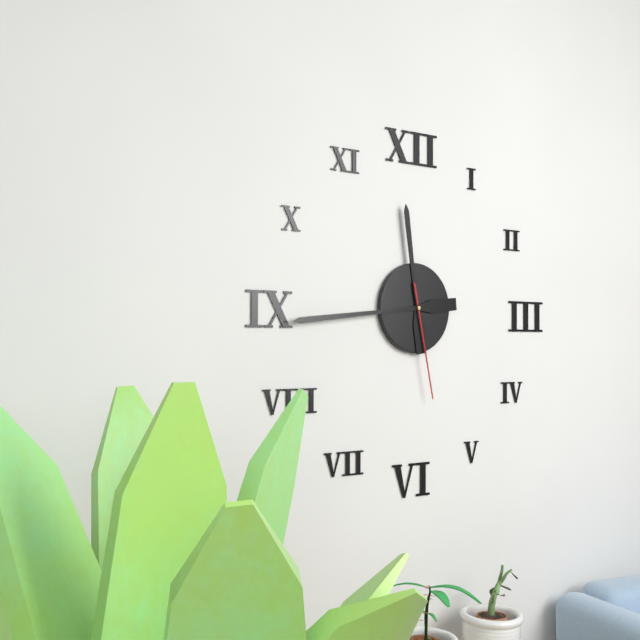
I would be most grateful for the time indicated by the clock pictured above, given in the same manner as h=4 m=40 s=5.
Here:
h=11 m=44 s=28
